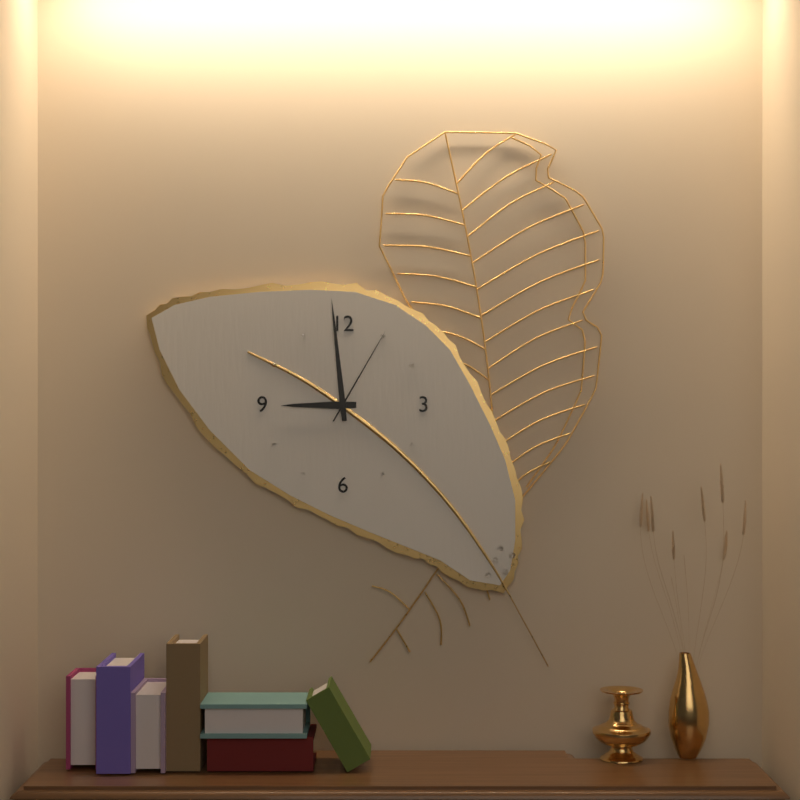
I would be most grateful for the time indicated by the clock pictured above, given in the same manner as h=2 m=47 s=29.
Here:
h=8 m=59 s=5
